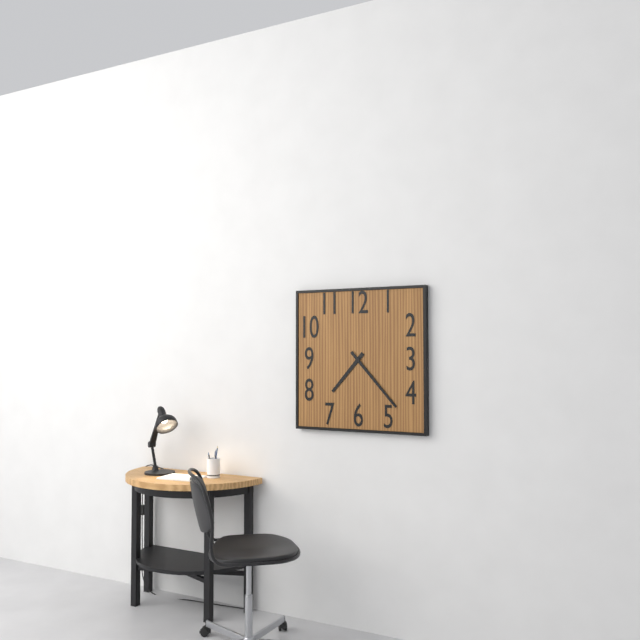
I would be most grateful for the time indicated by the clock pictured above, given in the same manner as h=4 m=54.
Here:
h=7 m=23
